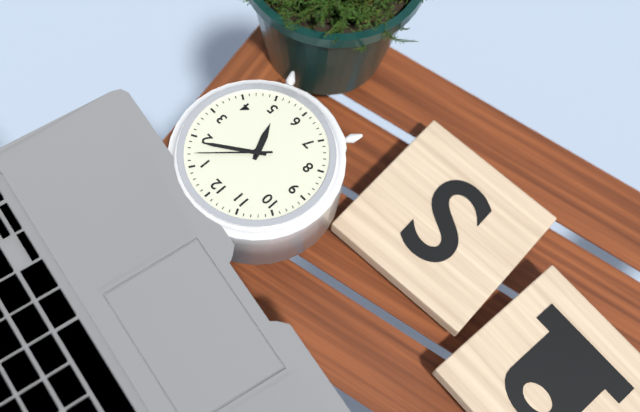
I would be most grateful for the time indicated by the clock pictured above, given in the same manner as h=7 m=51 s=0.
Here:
h=5 m=9 s=7
